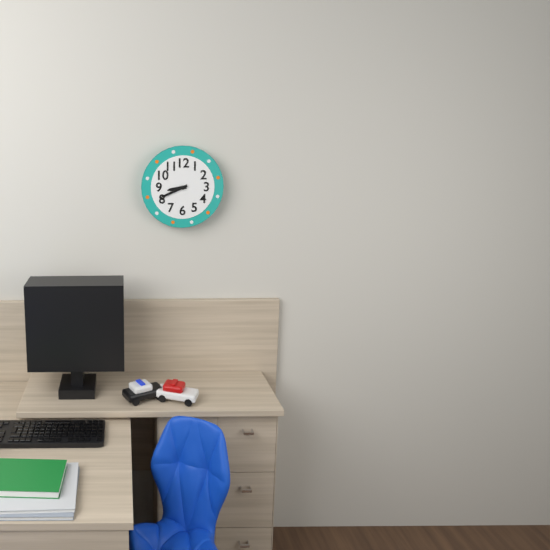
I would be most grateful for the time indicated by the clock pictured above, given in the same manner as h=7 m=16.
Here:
h=8 m=41
